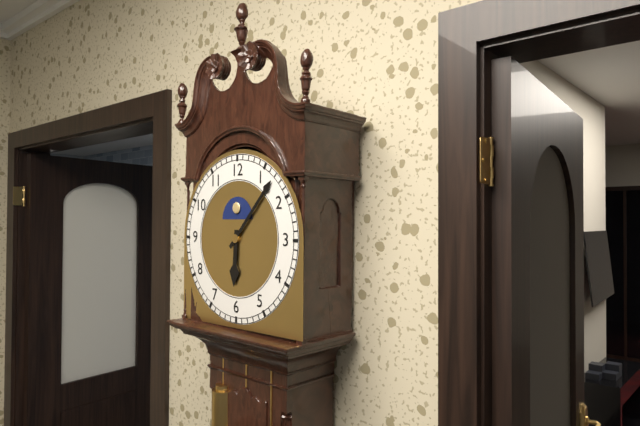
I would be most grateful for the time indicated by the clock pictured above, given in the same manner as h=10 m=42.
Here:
h=6 m=7
